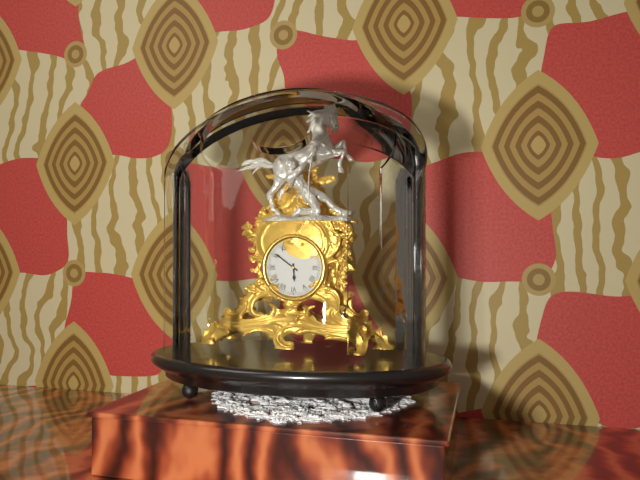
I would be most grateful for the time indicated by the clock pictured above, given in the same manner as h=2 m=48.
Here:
h=5 m=51
